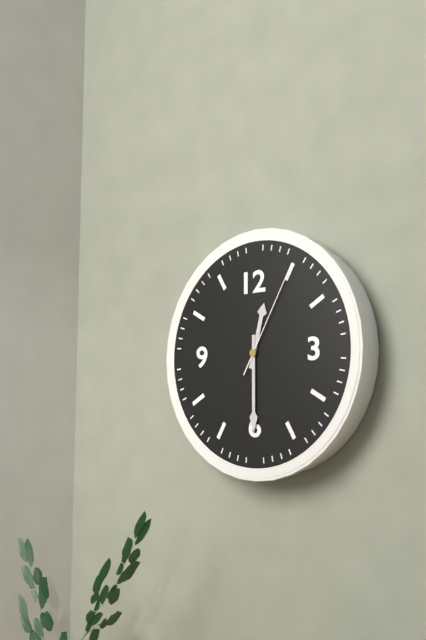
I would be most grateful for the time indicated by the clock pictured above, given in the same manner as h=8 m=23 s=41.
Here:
h=12 m=30 s=5
